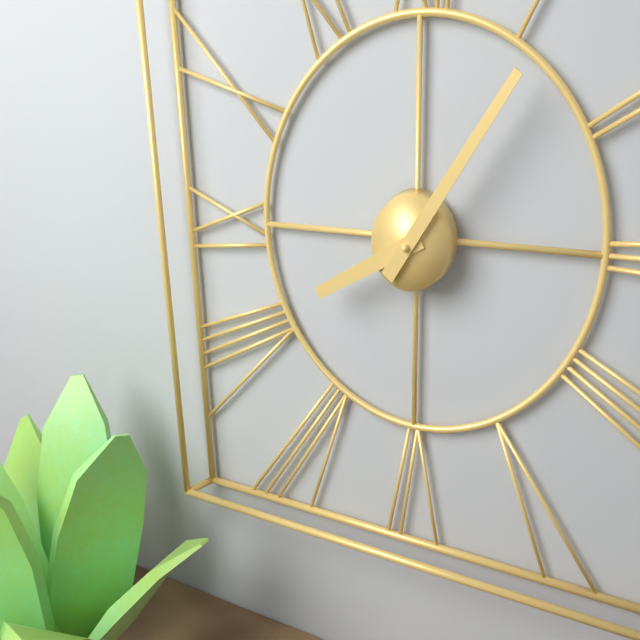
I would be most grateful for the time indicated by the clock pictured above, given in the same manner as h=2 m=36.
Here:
h=8 m=6
